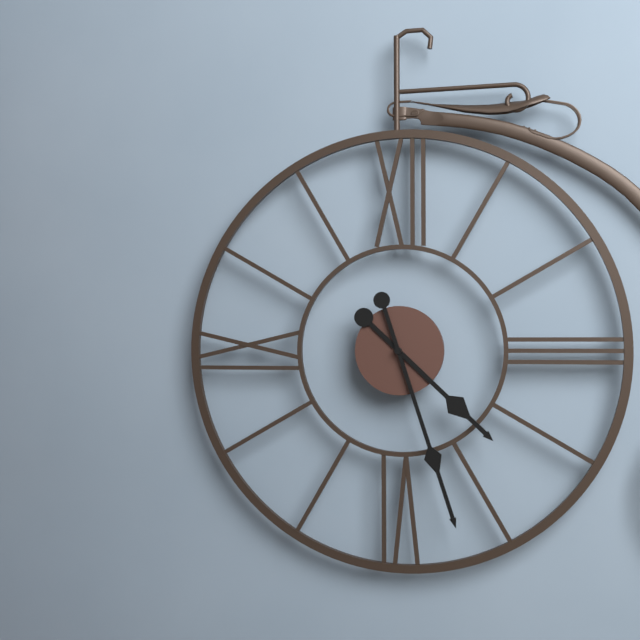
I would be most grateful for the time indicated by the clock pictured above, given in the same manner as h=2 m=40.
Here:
h=4 m=27
